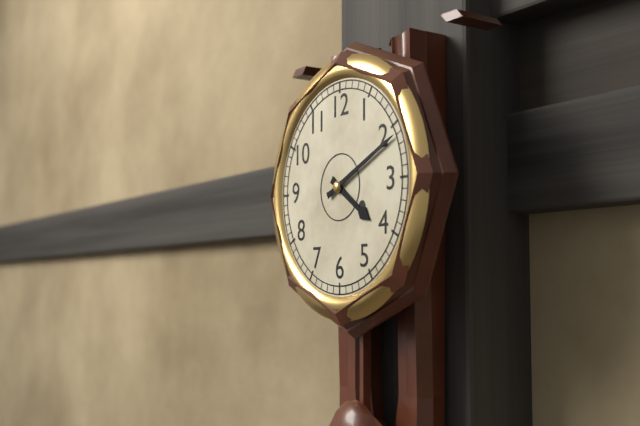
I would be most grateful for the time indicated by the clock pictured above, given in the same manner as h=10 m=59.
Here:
h=4 m=11
